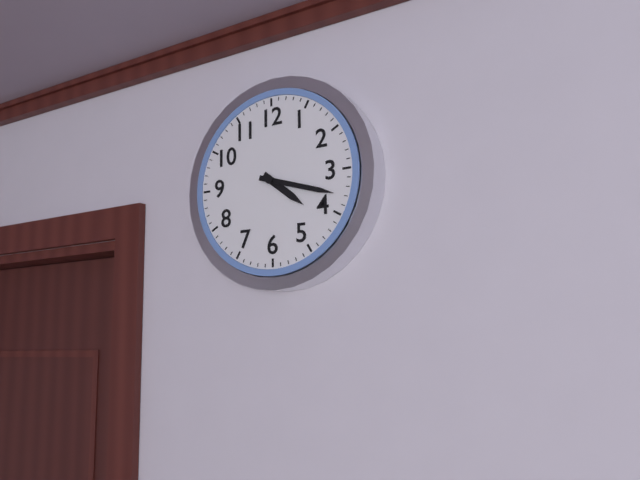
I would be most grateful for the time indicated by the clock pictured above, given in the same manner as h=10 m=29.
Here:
h=4 m=18
